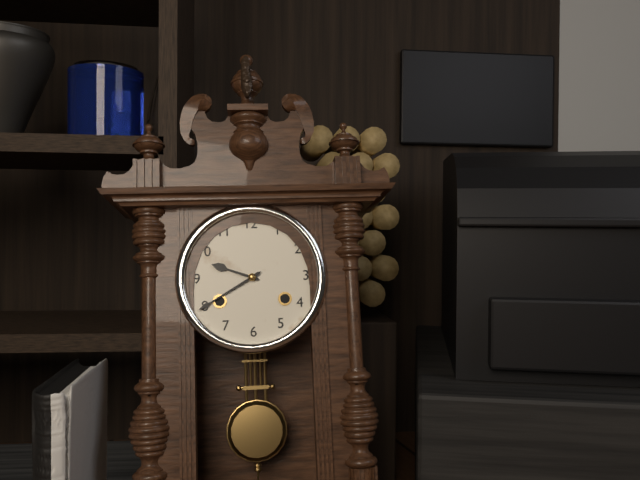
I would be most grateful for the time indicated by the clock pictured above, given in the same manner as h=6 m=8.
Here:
h=9 m=40
